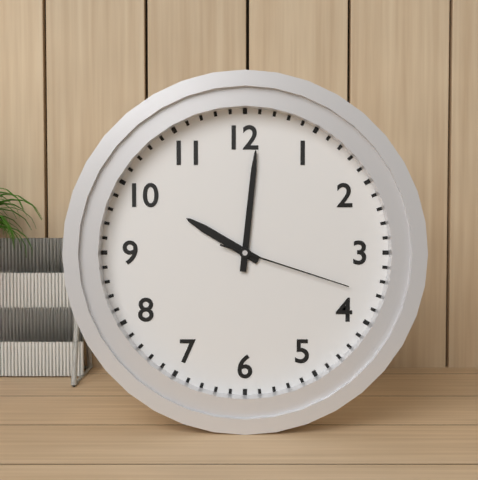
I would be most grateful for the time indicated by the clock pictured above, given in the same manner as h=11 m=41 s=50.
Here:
h=10 m=1 s=18
